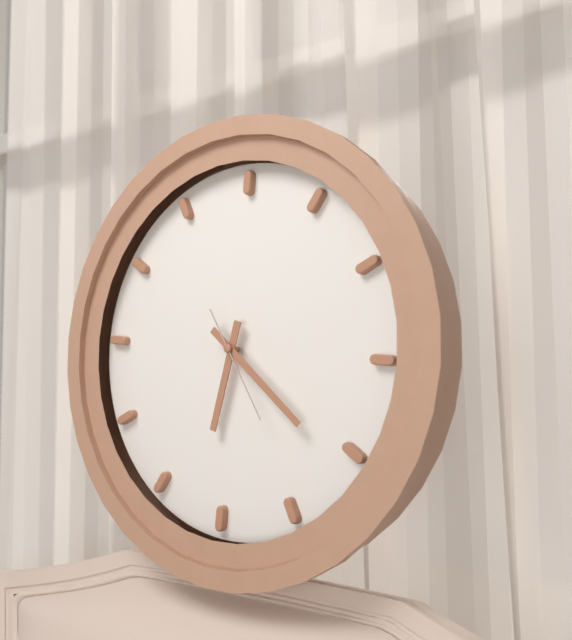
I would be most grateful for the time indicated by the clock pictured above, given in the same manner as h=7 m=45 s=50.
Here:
h=6 m=21 s=24
